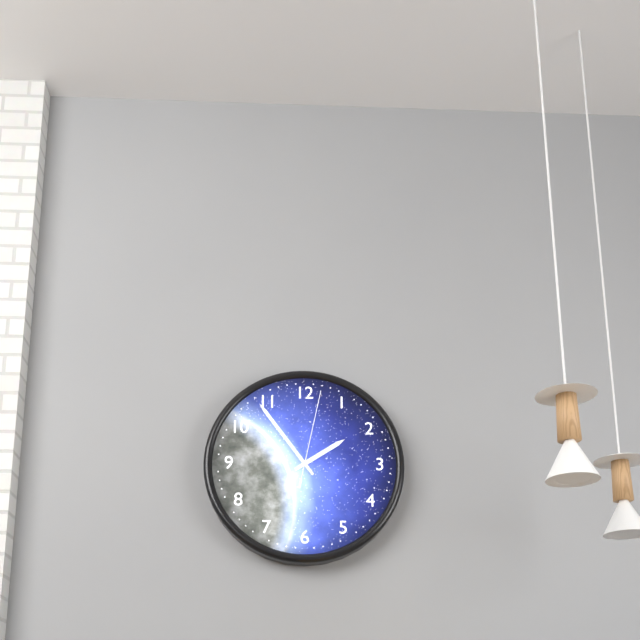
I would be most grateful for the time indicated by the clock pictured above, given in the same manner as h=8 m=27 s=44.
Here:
h=1 m=54 s=2
